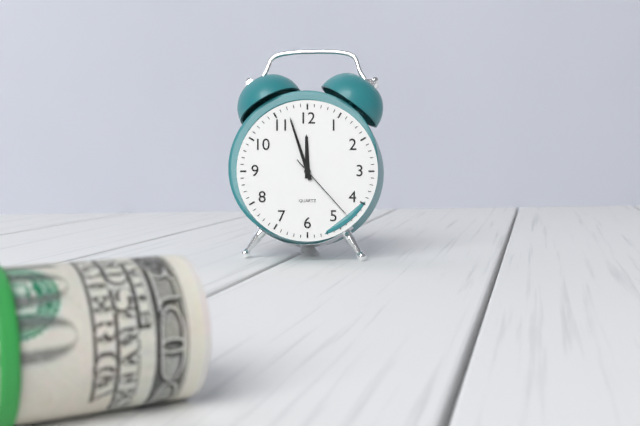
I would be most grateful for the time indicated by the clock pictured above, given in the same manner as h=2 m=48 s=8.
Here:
h=11 m=57 s=23
